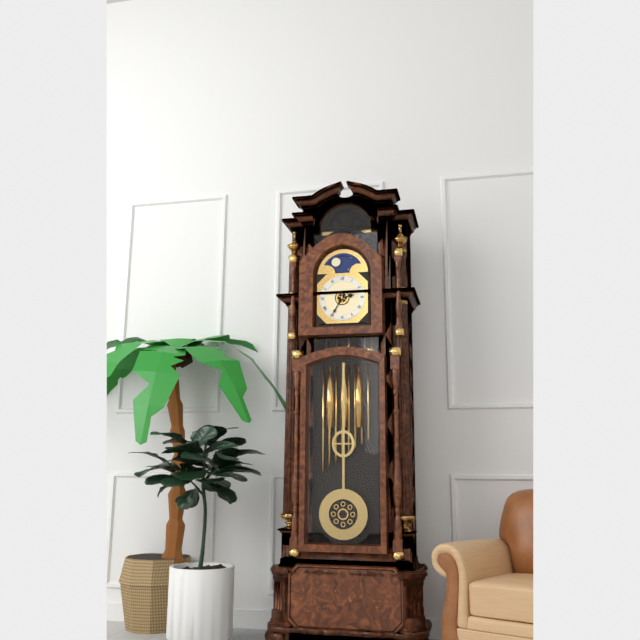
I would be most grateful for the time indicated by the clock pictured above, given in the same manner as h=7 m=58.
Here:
h=2 m=35
